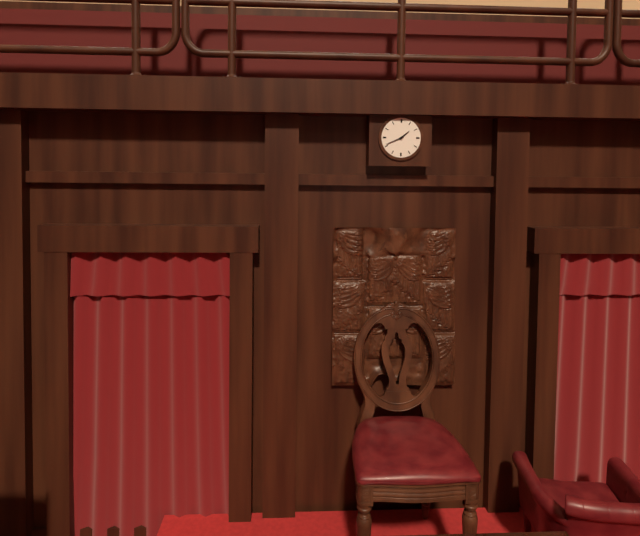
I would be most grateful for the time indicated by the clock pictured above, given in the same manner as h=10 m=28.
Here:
h=1 m=41
